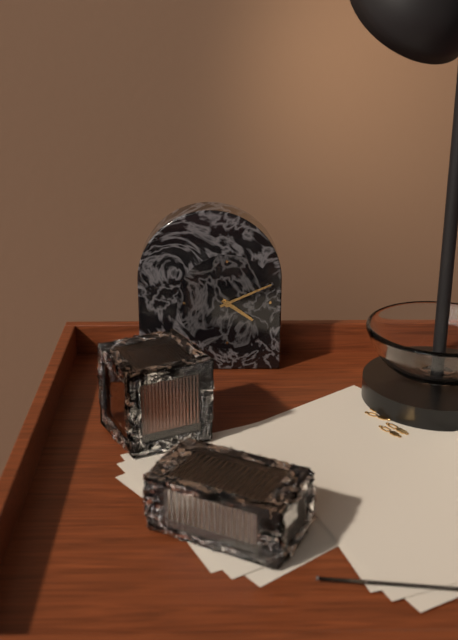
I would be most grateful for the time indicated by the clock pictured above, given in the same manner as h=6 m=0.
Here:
h=4 m=11
